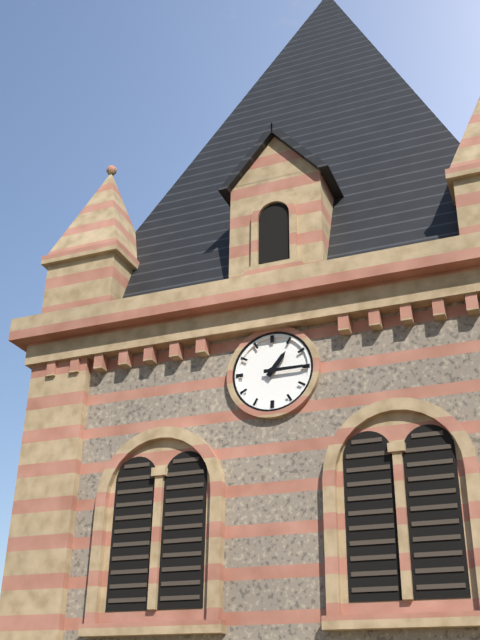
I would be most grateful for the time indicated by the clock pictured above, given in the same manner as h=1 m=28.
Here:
h=1 m=15
